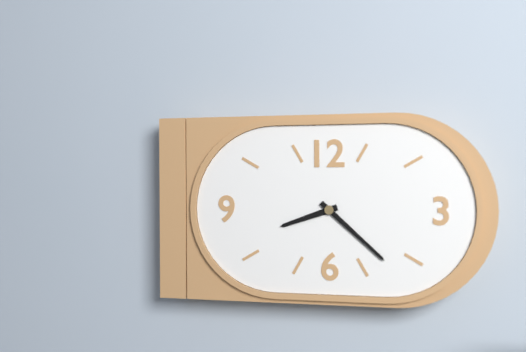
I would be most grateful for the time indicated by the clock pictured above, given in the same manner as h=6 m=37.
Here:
h=8 m=22
